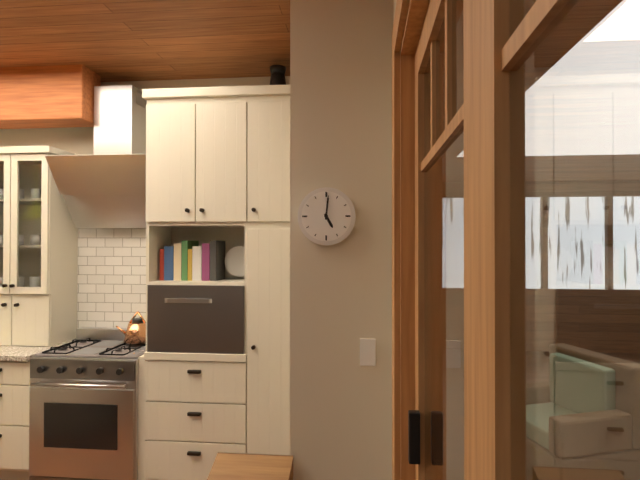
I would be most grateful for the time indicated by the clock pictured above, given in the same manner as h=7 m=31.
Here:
h=5 m=1
